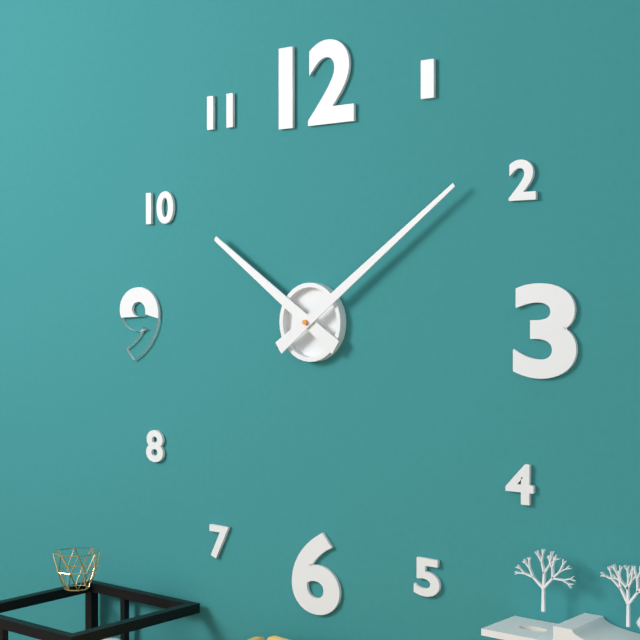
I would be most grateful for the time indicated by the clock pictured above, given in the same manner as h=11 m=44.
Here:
h=10 m=9
